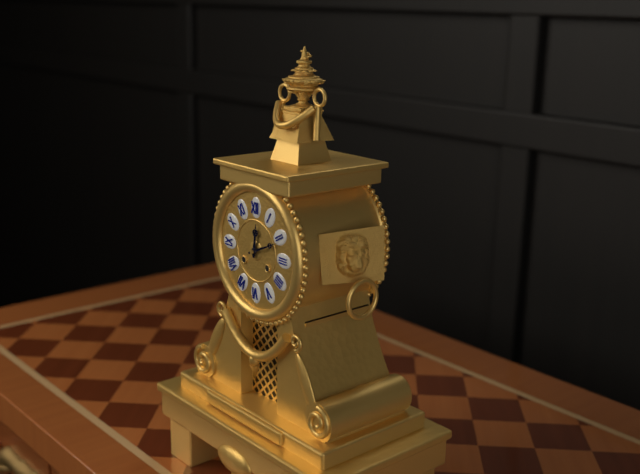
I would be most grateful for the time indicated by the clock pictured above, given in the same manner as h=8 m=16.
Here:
h=12 m=11
